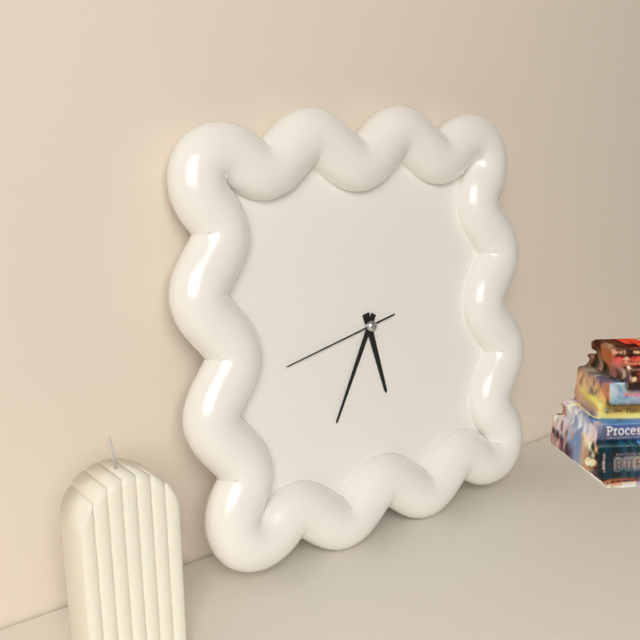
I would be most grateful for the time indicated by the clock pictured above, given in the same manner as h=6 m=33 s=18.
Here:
h=5 m=35 s=43
